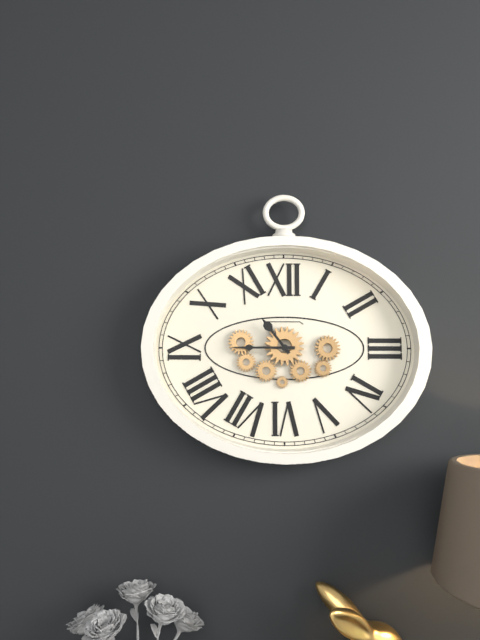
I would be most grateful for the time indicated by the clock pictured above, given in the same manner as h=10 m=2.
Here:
h=10 m=45
